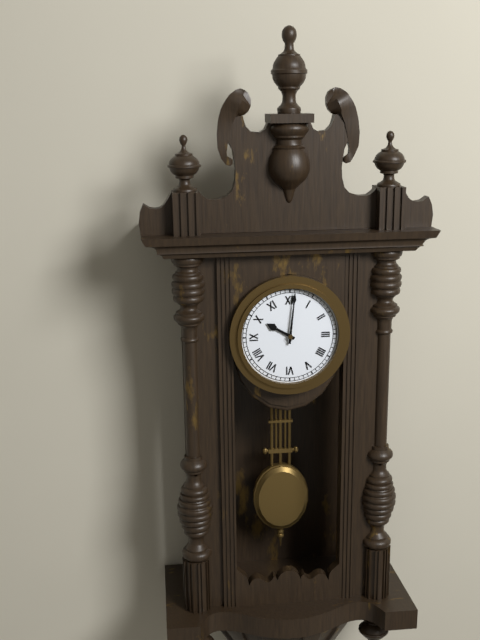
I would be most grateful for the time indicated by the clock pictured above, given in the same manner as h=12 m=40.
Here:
h=10 m=1
